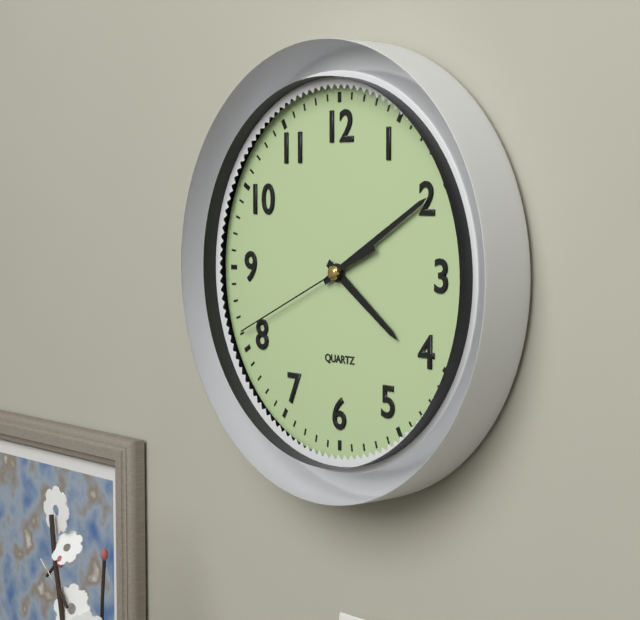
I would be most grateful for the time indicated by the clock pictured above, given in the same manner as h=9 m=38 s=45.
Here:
h=4 m=10 s=41
